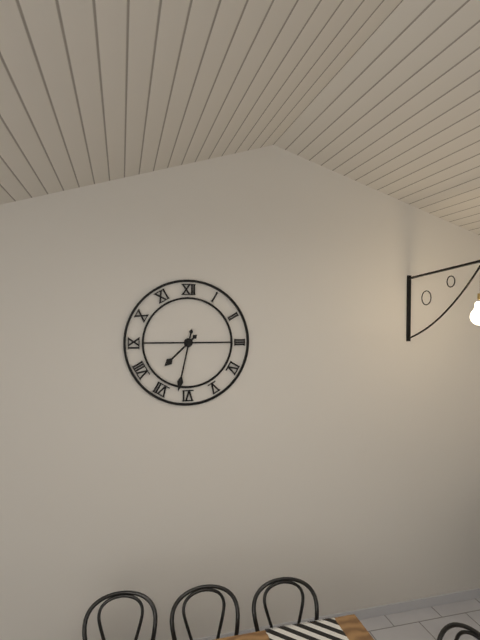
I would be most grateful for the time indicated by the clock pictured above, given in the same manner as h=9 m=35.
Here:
h=7 m=32
